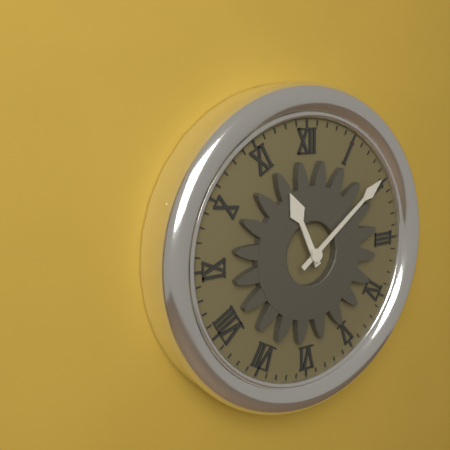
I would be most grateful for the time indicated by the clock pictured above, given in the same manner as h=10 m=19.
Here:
h=11 m=9
